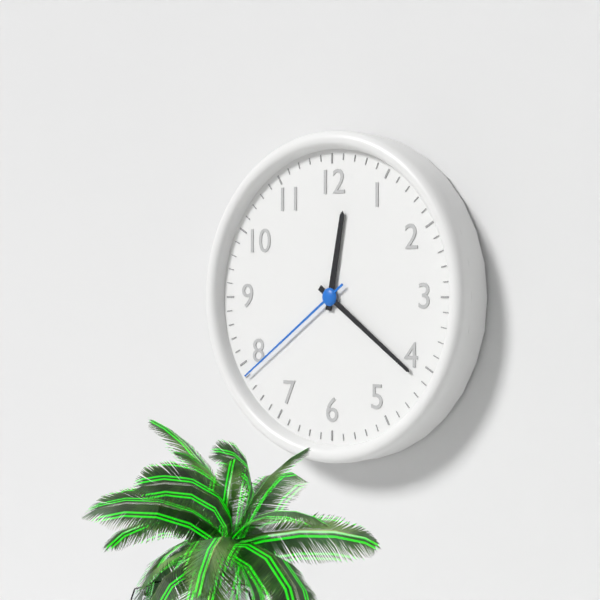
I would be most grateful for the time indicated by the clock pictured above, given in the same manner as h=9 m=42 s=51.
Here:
h=12 m=21 s=39
